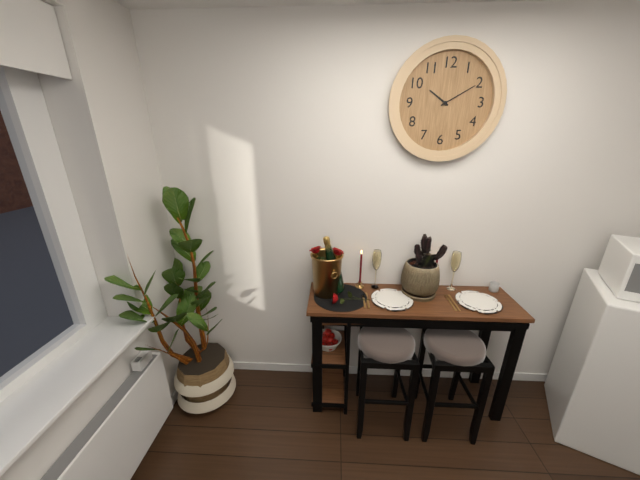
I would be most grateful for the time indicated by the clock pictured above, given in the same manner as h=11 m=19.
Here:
h=10 m=10
